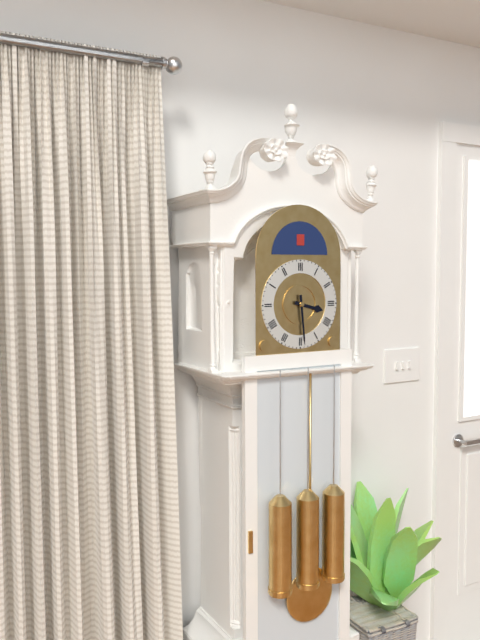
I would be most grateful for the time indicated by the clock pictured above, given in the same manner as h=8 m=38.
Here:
h=3 m=29
